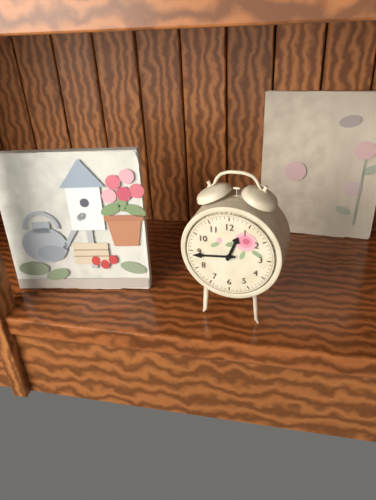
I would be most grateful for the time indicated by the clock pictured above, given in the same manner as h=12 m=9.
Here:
h=12 m=44
